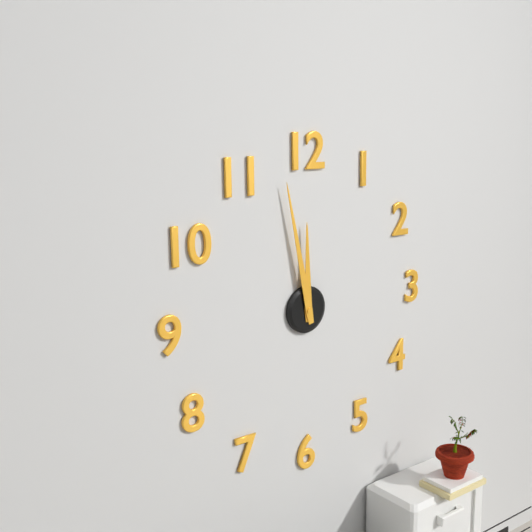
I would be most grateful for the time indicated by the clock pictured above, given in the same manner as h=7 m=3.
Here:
h=11 m=58
